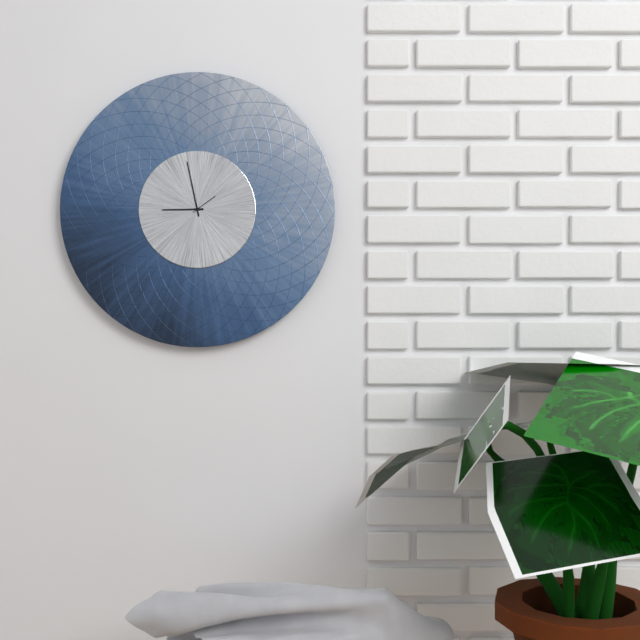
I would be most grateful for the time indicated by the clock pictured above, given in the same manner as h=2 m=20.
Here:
h=8 m=58
